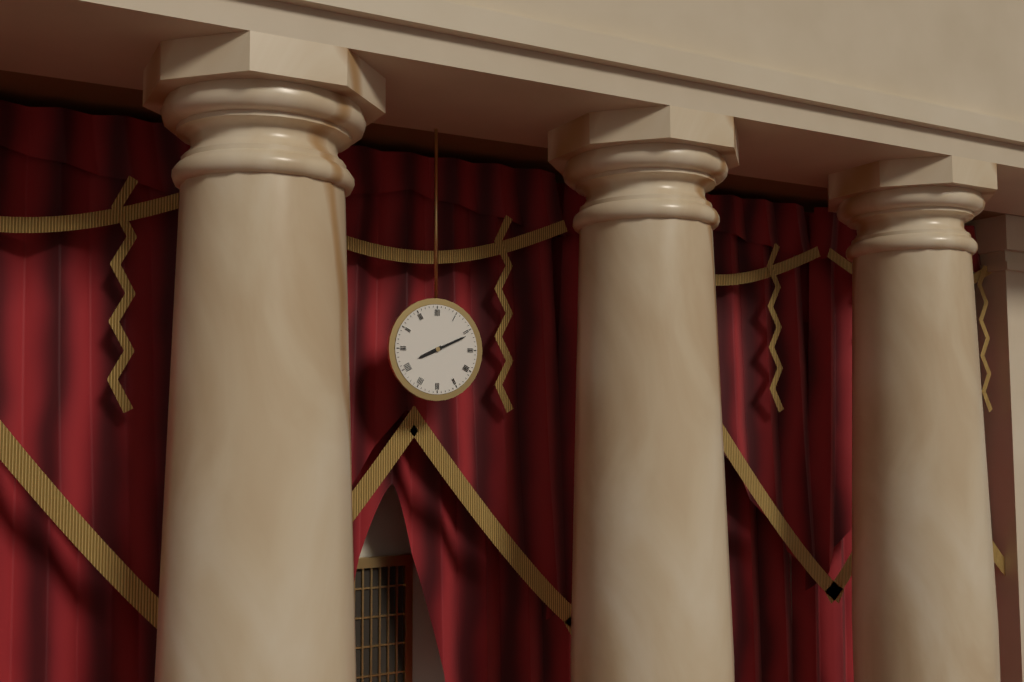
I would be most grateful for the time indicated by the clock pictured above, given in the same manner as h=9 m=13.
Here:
h=8 m=11
